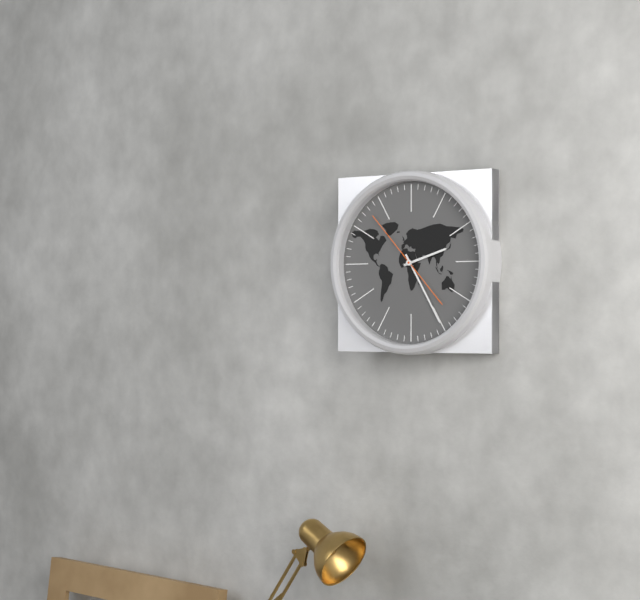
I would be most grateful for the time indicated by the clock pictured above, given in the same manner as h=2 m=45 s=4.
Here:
h=2 m=25 s=53
